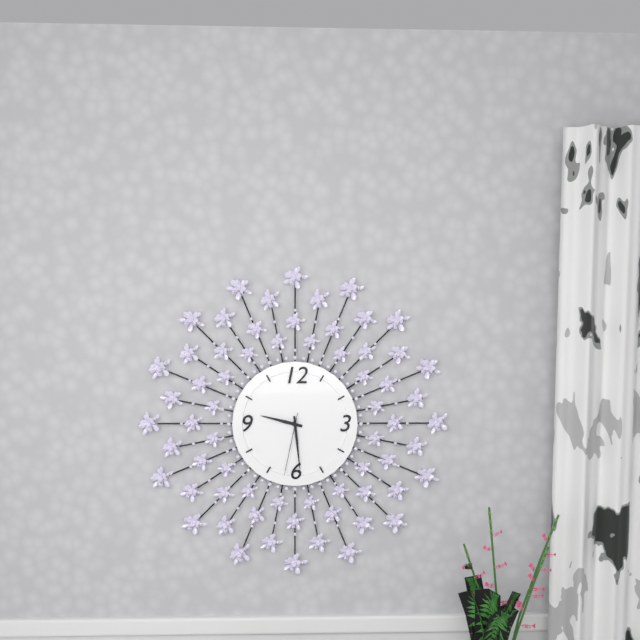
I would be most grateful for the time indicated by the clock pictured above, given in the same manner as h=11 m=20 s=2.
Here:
h=9 m=29 s=32
